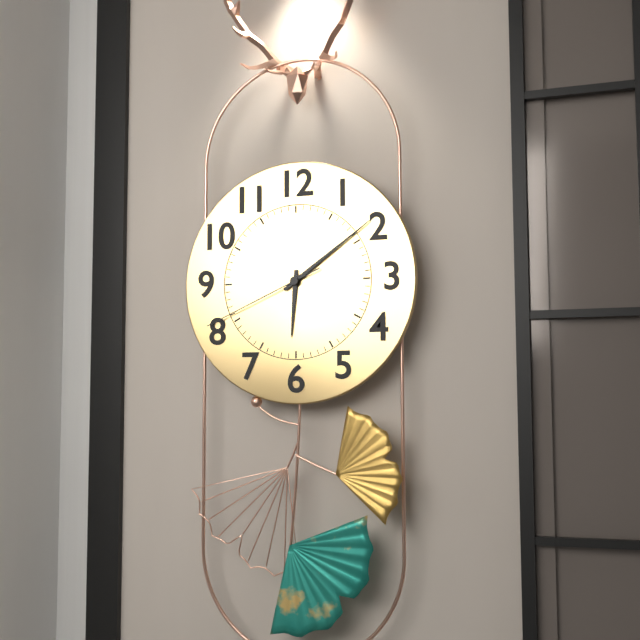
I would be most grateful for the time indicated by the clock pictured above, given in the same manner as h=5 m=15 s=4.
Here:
h=6 m=9 s=41
